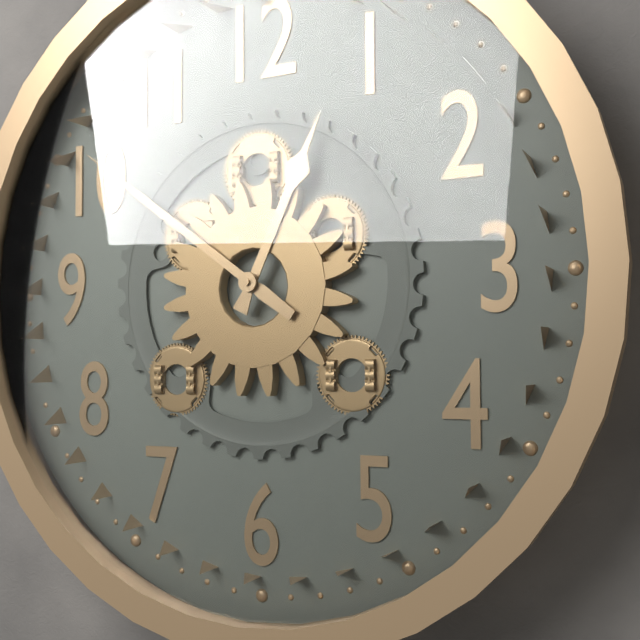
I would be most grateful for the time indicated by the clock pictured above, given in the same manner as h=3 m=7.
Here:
h=12 m=51
